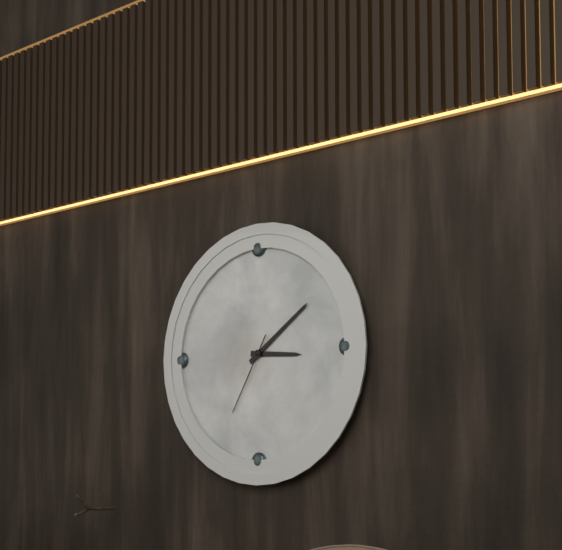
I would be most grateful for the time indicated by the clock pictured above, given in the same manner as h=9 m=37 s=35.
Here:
h=3 m=9 s=35
